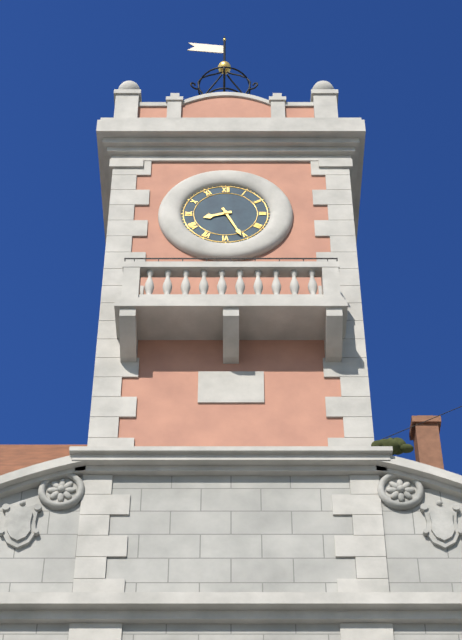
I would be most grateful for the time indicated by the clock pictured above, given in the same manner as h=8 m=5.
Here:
h=8 m=26
